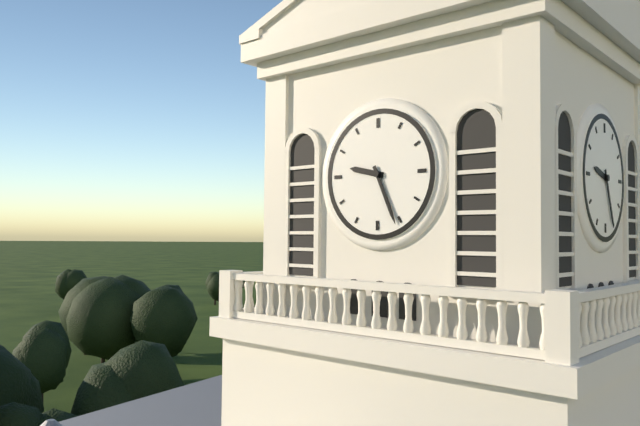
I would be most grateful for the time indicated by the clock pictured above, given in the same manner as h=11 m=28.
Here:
h=9 m=26
